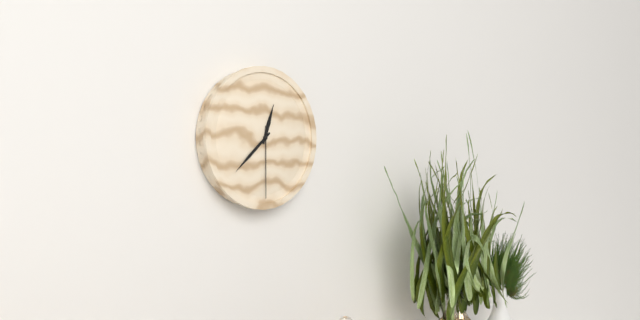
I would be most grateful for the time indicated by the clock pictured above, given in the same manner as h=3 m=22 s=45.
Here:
h=12 m=38 s=30
